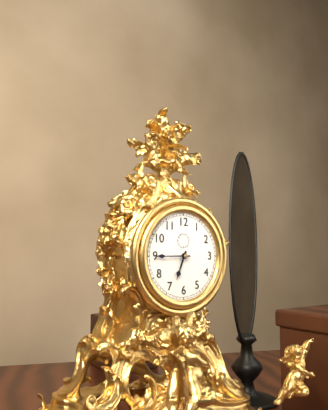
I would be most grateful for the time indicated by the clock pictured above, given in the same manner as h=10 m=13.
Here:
h=6 m=45
